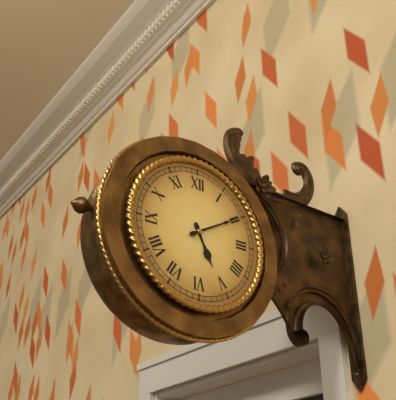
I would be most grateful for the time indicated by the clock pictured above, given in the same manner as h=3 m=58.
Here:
h=5 m=10
